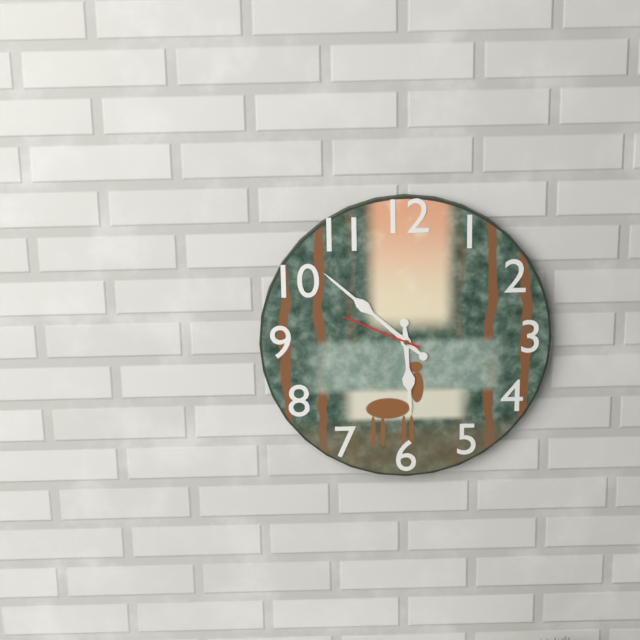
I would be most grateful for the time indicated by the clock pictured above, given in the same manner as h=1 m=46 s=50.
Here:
h=5 m=52 s=49
